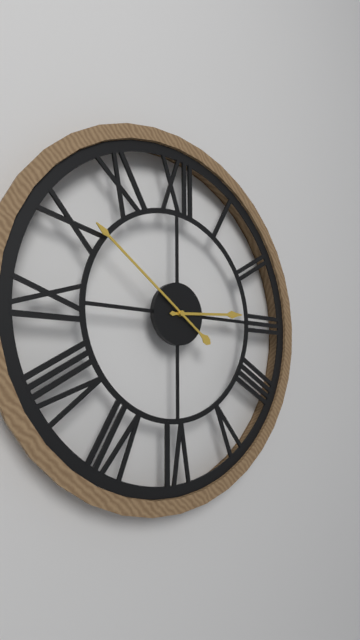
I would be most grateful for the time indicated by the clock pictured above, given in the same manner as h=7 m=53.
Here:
h=2 m=51
